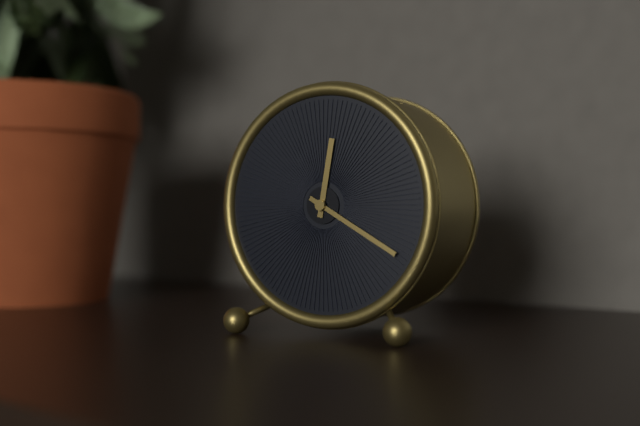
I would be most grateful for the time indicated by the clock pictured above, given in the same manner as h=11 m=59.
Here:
h=12 m=20
